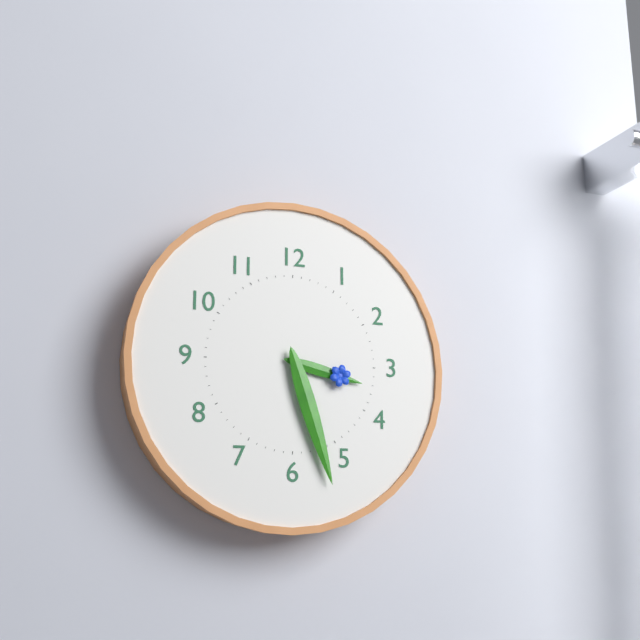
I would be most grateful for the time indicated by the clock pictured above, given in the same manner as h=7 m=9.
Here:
h=3 m=27
